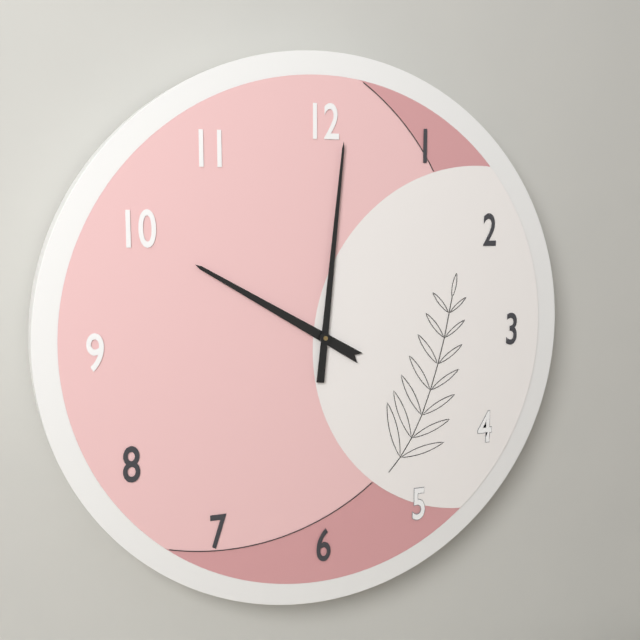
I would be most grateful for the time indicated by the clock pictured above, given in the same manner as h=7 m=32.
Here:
h=10 m=1
